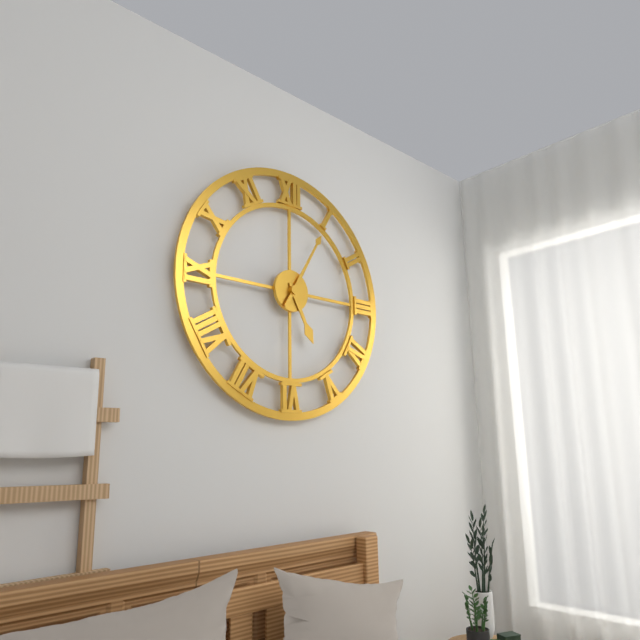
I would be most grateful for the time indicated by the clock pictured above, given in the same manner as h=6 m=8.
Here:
h=5 m=5
